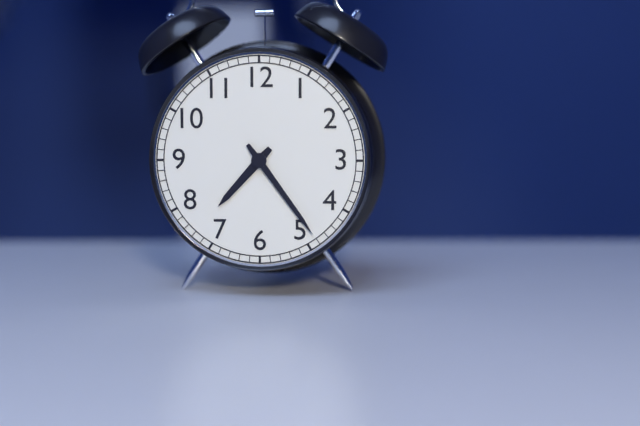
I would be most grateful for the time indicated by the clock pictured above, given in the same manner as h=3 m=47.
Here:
h=7 m=24
